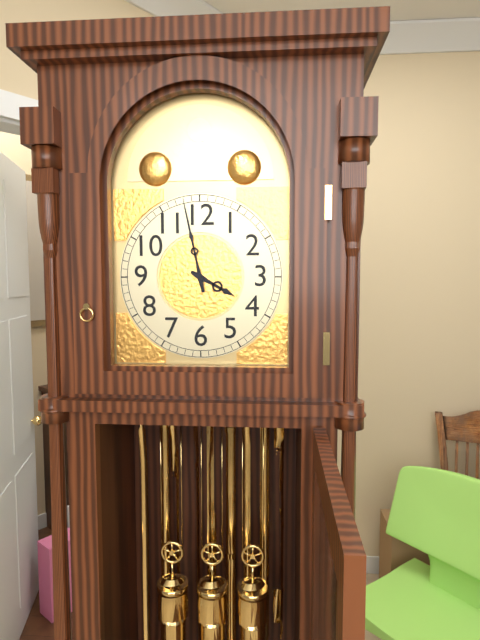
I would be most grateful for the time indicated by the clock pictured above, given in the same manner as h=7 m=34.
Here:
h=3 m=58
